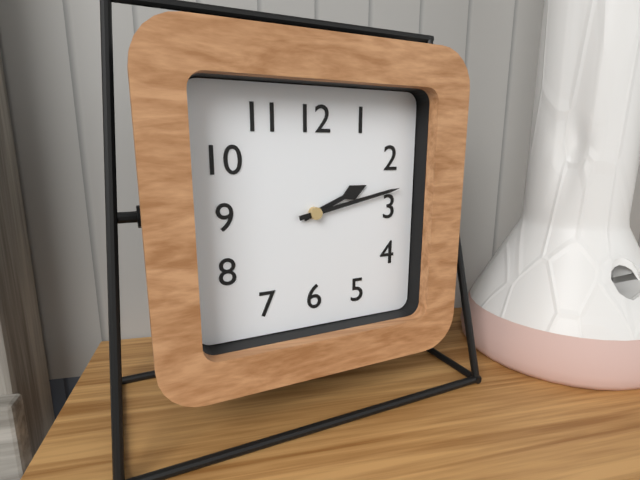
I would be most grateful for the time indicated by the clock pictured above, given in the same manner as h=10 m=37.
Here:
h=2 m=13
